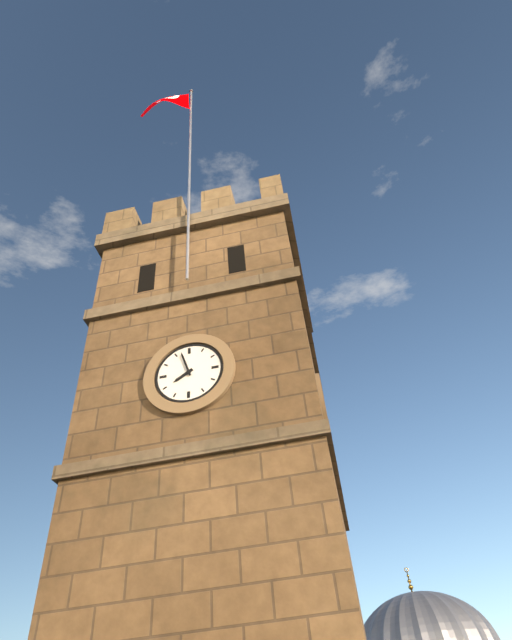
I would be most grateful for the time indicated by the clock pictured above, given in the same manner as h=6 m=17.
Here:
h=7 m=57
